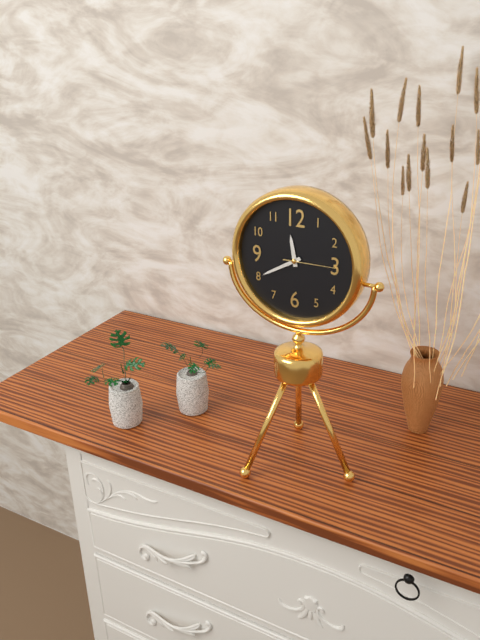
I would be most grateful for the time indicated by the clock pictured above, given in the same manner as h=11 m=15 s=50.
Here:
h=11 m=40 s=15
